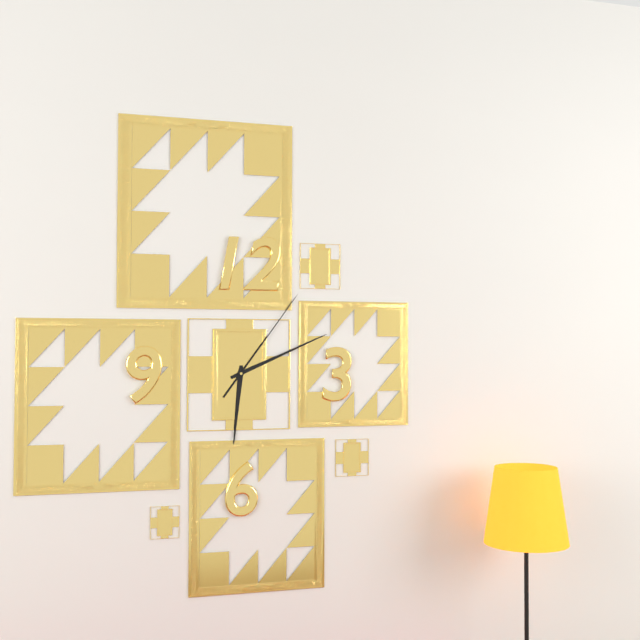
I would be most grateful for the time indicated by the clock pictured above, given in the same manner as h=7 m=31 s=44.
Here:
h=6 m=11 s=6
